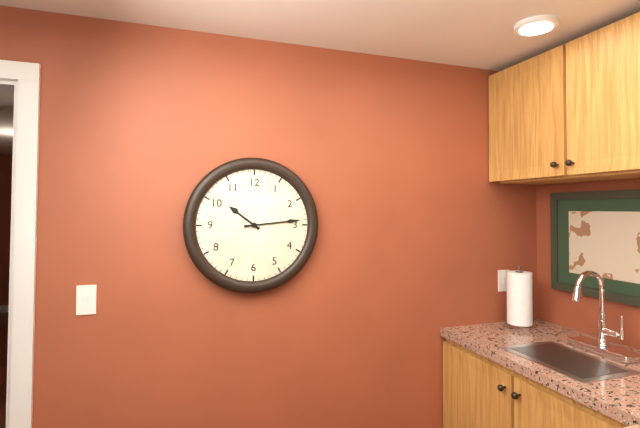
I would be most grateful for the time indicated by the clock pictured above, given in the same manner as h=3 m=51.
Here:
h=10 m=14
